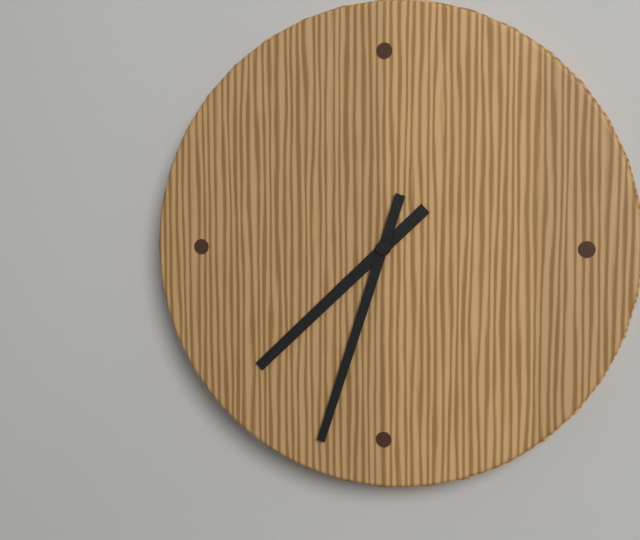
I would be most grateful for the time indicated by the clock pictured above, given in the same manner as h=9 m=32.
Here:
h=7 m=33
